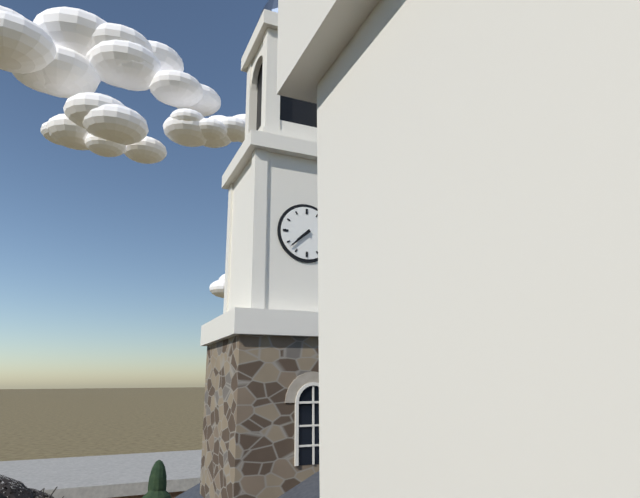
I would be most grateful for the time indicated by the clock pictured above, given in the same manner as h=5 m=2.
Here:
h=7 m=38
